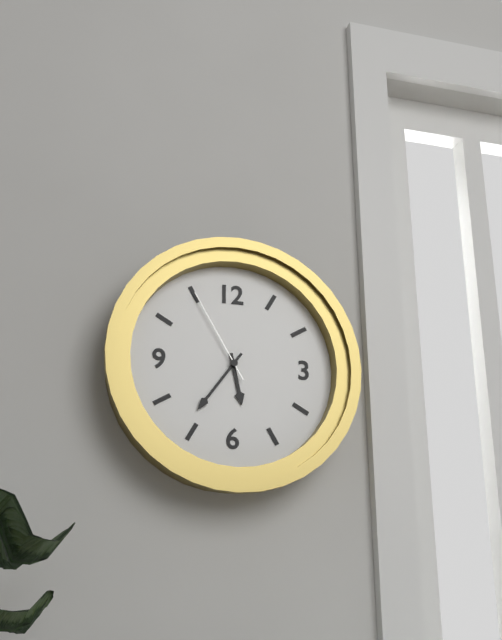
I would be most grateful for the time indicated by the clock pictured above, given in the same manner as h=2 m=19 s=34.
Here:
h=5 m=36 s=55
